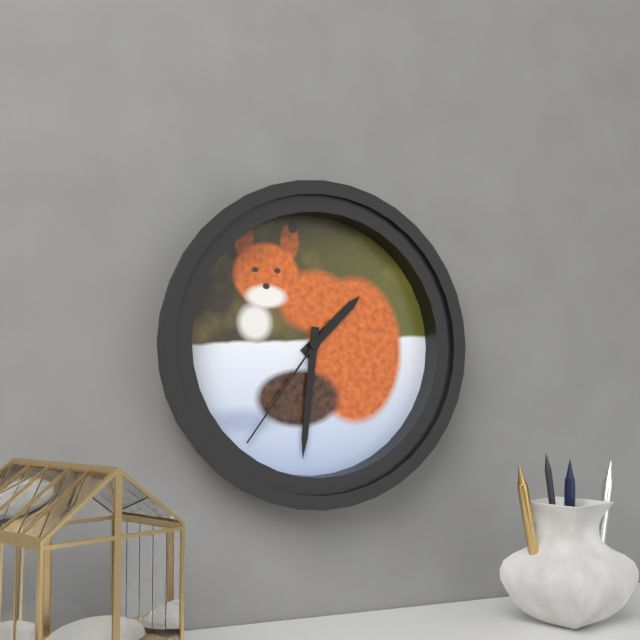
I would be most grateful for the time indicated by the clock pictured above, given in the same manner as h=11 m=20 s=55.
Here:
h=1 m=31 s=36
